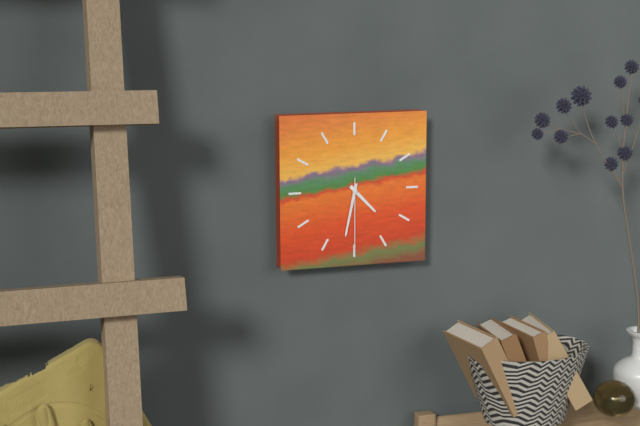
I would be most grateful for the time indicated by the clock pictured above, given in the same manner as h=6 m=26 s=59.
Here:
h=4 m=32 s=30
